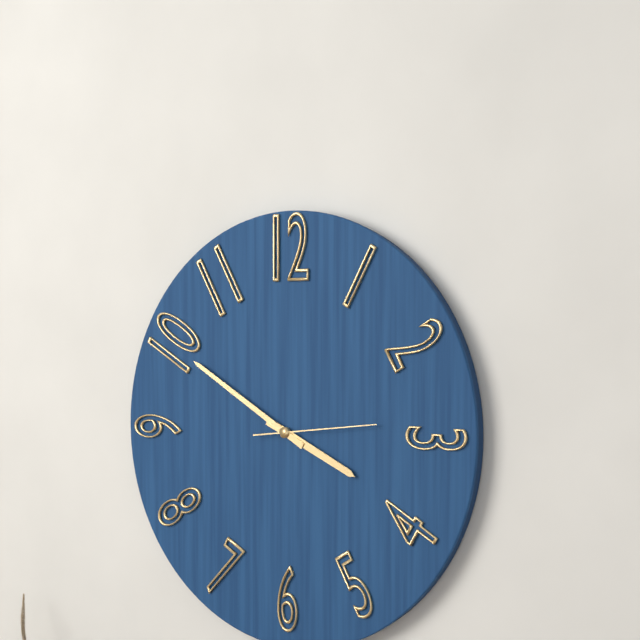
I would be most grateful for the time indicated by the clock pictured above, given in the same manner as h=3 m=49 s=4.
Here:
h=3 m=50 s=14
